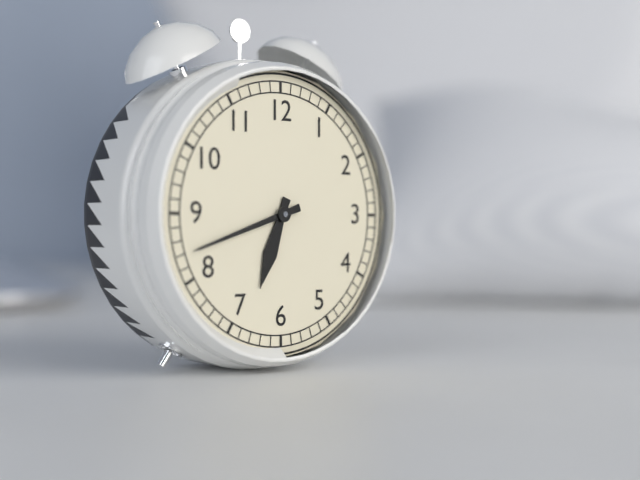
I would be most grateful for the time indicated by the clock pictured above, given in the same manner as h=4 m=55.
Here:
h=6 m=42
